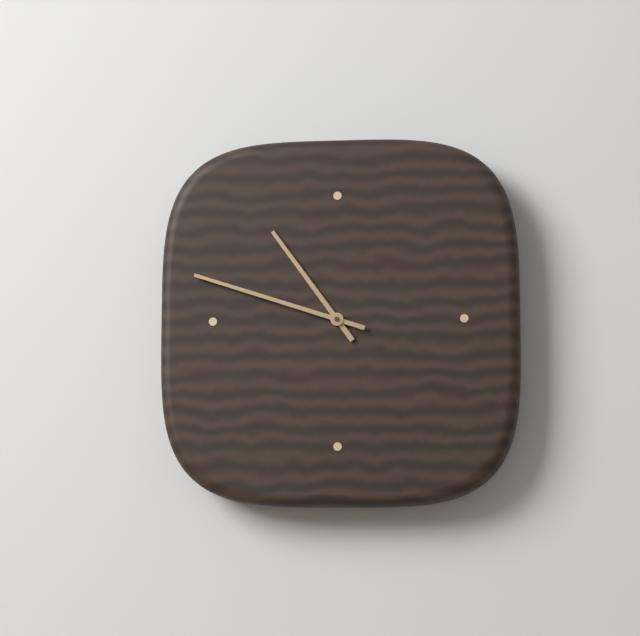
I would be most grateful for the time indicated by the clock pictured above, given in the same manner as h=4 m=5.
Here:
h=10 m=48
